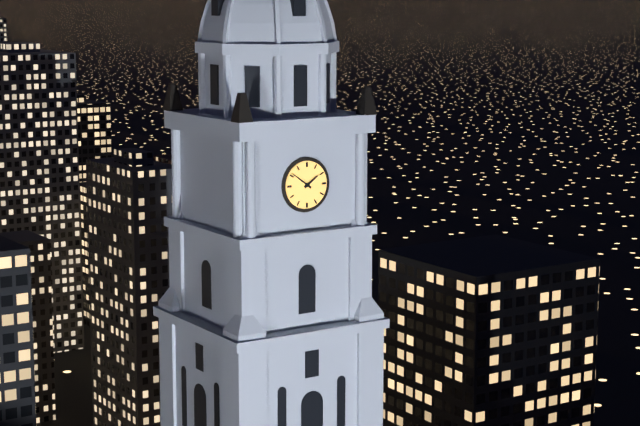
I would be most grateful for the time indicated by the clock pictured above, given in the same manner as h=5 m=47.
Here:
h=1 m=51
